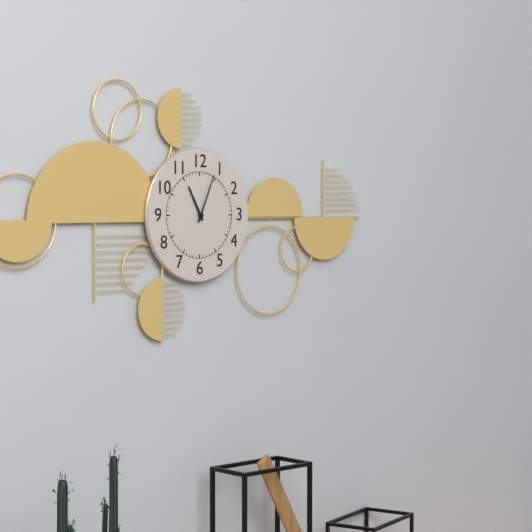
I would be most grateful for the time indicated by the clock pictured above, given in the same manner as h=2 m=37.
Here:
h=11 m=4
